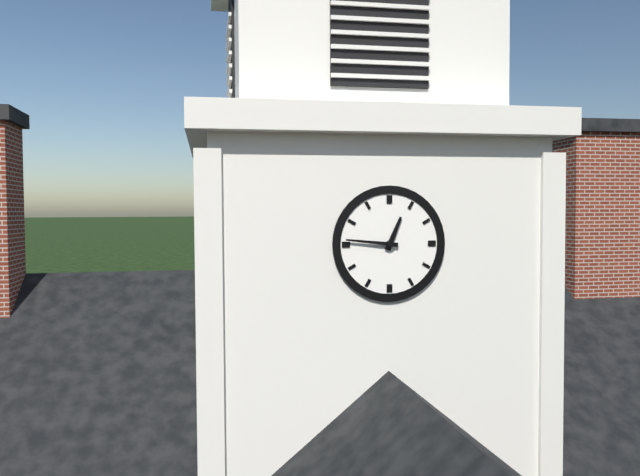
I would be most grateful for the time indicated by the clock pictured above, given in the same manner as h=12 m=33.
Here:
h=12 m=46
